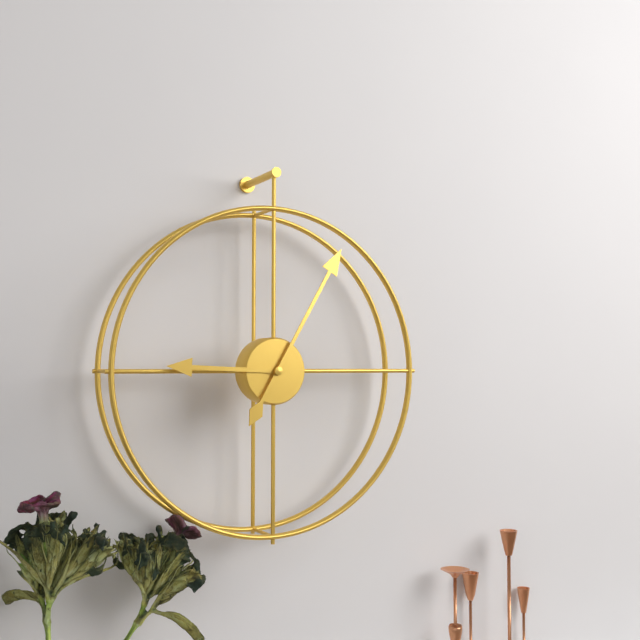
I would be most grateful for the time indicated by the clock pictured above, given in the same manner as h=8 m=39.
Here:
h=9 m=5
